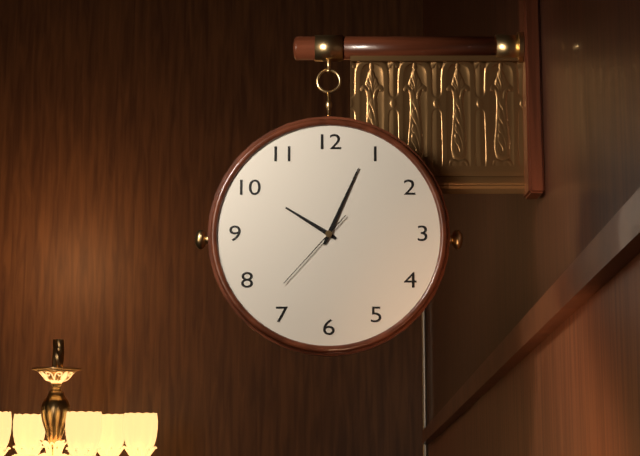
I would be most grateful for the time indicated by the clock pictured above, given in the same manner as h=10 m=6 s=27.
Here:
h=10 m=4 s=37
